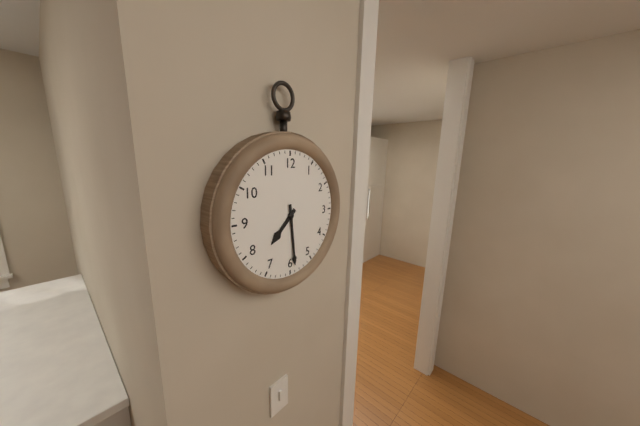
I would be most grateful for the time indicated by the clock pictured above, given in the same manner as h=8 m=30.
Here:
h=7 m=29
